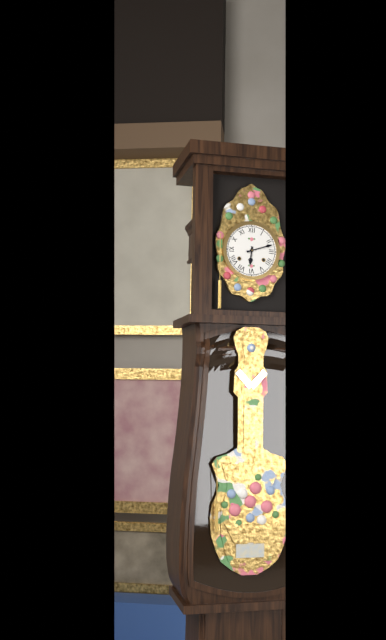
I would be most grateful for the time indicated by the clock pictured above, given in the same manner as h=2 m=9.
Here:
h=6 m=12
